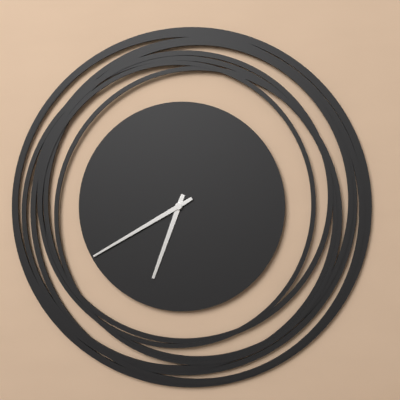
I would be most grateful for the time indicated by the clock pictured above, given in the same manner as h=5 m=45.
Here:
h=6 m=40
